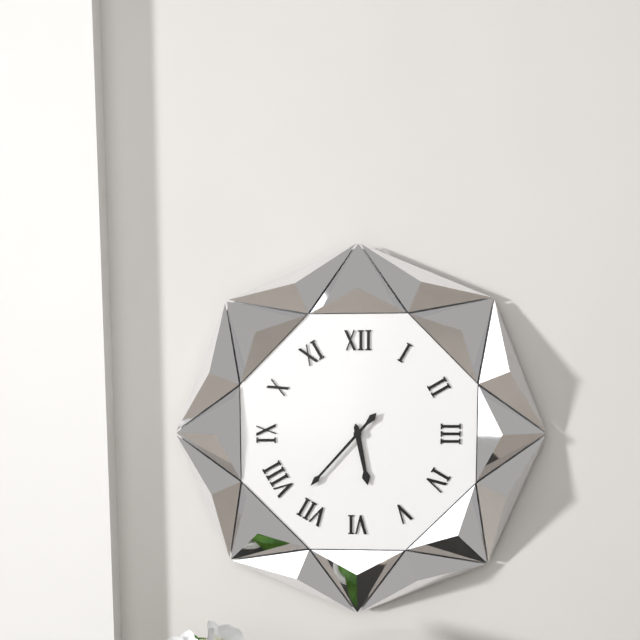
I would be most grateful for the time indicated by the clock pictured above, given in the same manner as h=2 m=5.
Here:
h=5 m=37
